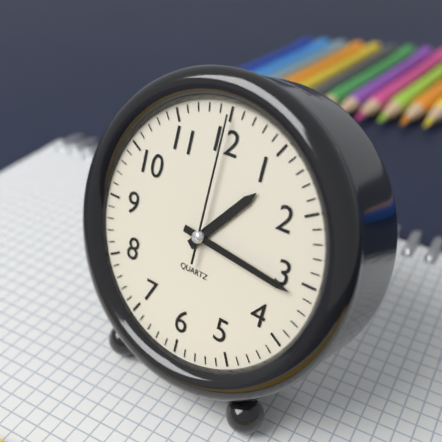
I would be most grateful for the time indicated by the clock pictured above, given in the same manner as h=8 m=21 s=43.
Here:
h=1 m=16 s=0
